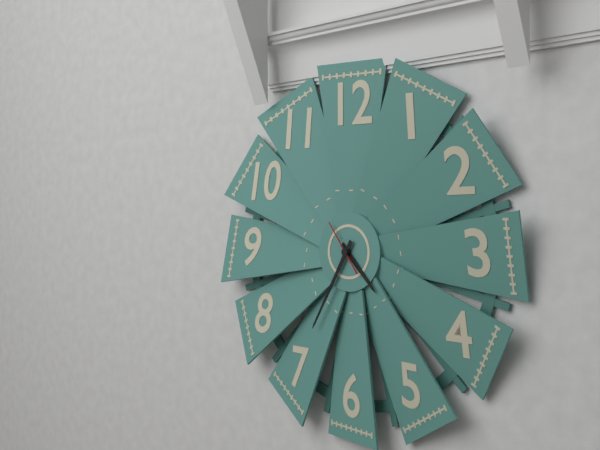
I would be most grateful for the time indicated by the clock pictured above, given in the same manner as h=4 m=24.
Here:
h=4 m=35
